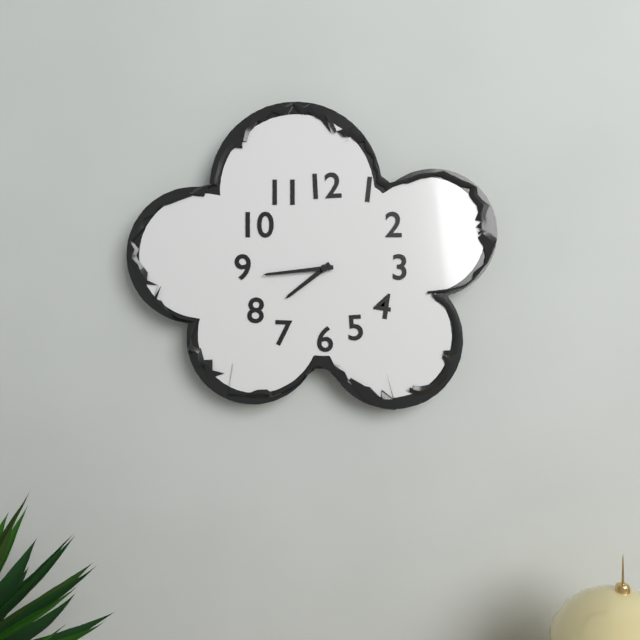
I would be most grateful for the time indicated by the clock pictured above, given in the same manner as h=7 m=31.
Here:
h=7 m=44
